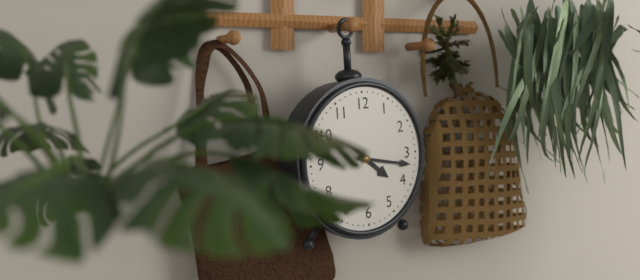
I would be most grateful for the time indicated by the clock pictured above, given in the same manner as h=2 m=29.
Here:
h=4 m=17
